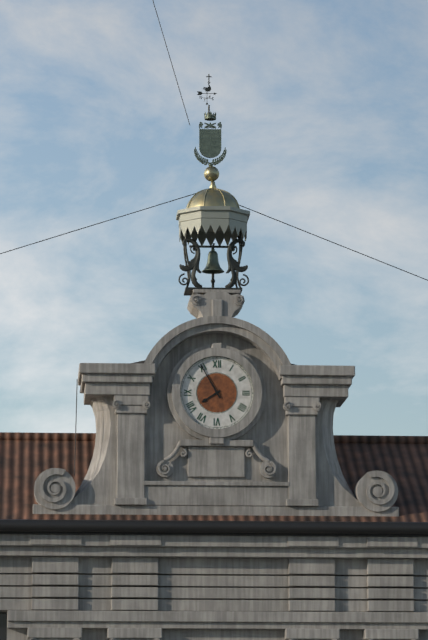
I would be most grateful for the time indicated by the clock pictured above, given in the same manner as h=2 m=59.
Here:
h=7 m=55
